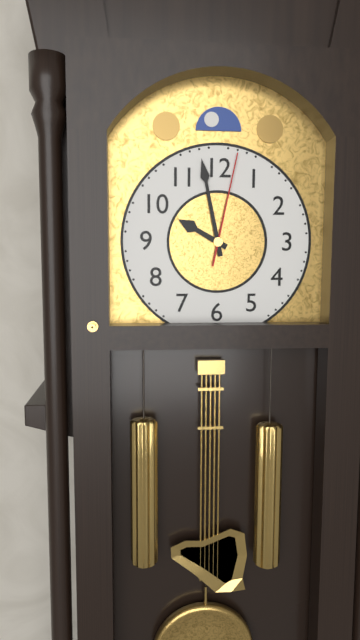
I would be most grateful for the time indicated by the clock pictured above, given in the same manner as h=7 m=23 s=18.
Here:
h=9 m=58 s=2
